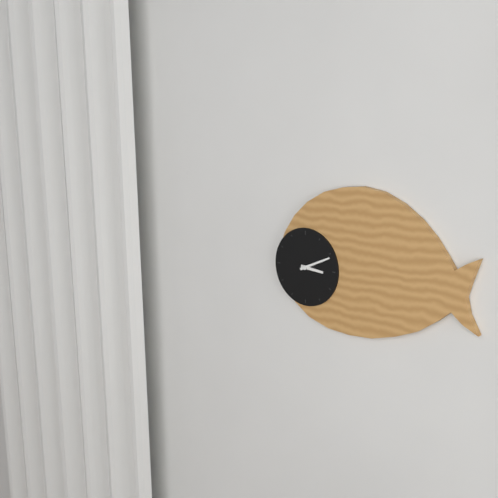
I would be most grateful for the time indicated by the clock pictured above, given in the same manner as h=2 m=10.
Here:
h=3 m=11
